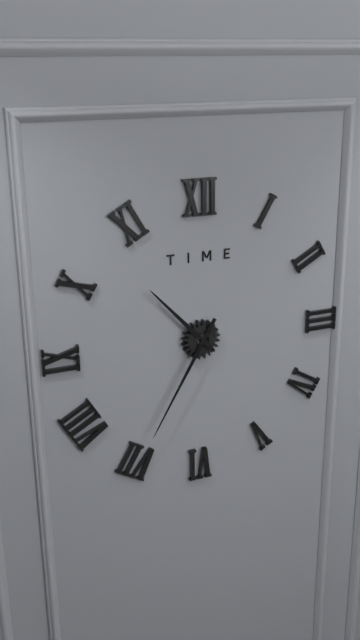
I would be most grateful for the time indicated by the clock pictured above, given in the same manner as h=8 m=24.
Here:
h=10 m=35
